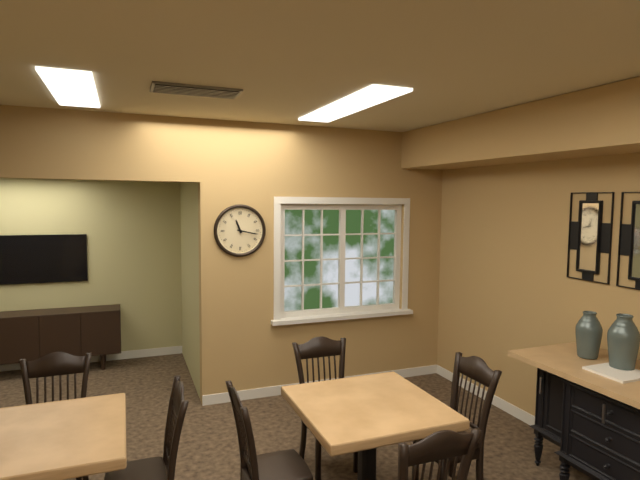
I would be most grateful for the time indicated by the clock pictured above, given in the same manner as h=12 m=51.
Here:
h=11 m=17
